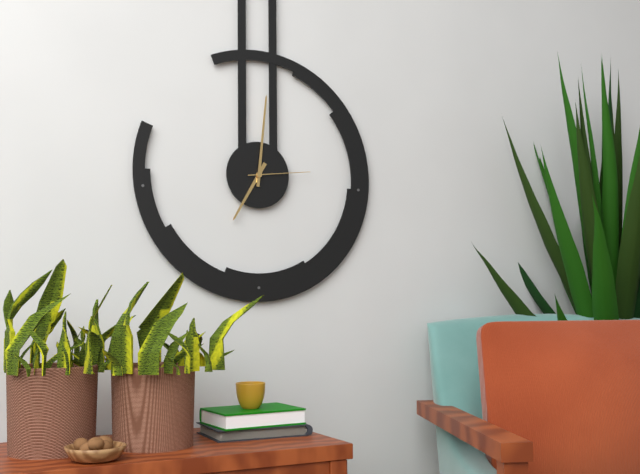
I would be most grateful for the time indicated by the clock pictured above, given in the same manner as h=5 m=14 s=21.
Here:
h=7 m=1 s=14
